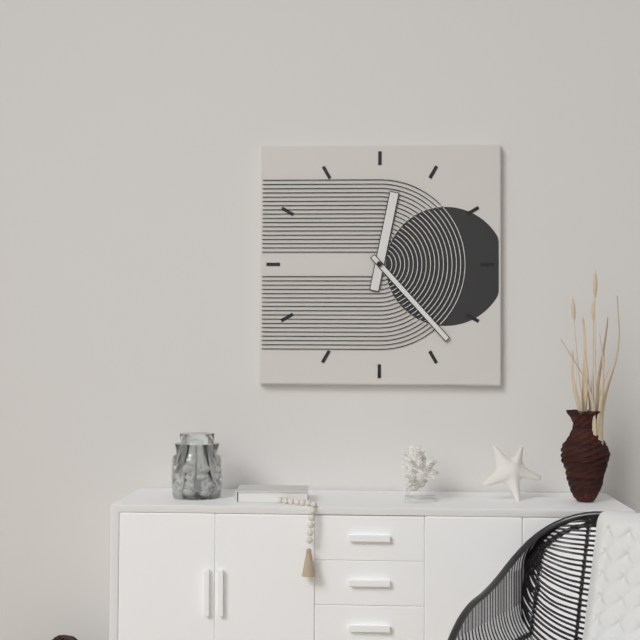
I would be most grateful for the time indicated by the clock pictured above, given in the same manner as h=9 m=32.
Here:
h=12 m=23
